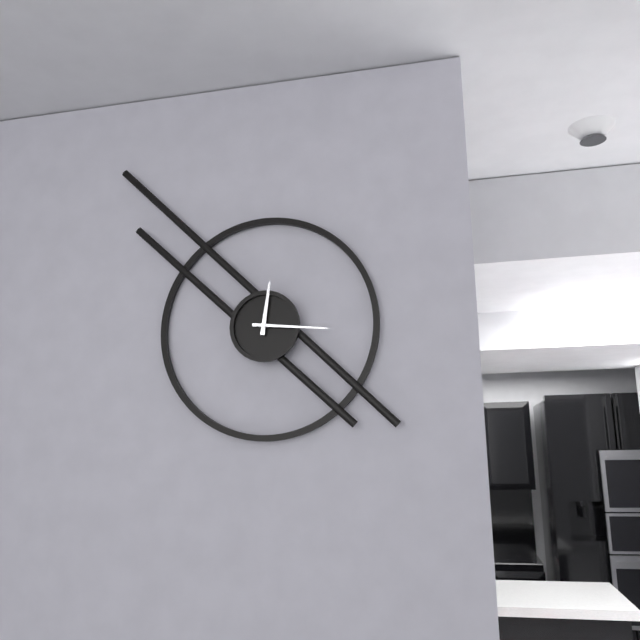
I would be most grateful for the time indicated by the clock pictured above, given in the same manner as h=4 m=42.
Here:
h=12 m=16
